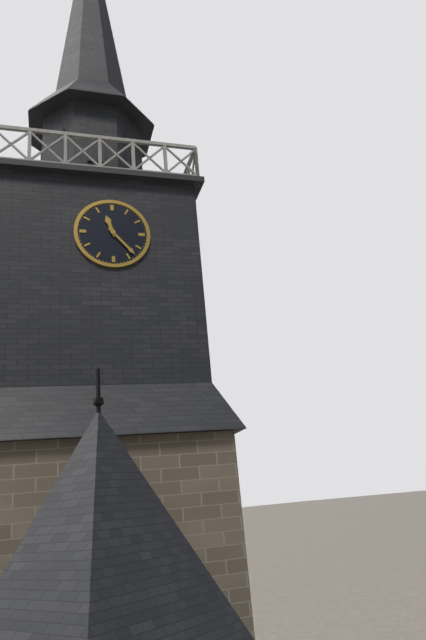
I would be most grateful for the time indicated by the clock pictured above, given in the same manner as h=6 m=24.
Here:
h=11 m=23
